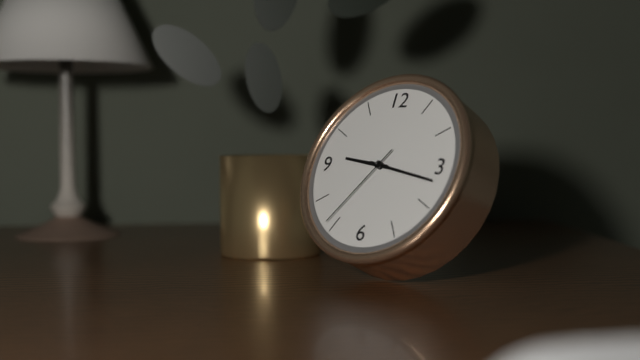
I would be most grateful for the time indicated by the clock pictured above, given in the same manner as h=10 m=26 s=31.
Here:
h=9 m=17 s=36
